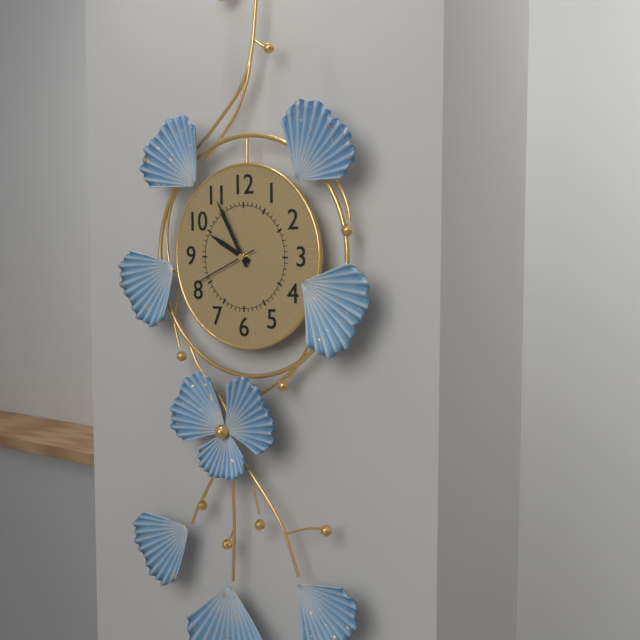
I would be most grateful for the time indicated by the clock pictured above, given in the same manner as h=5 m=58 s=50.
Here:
h=9 m=55 s=41
